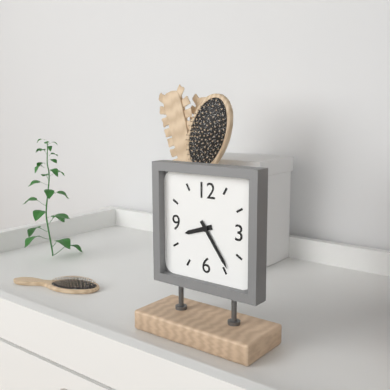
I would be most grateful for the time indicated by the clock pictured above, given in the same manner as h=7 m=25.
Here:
h=8 m=24
